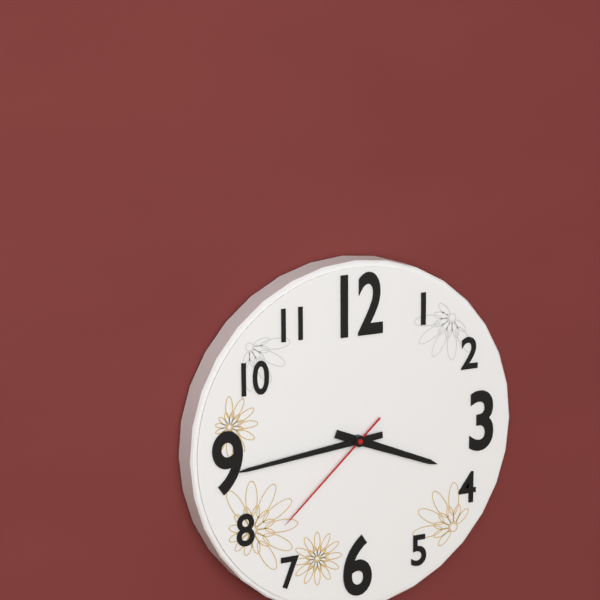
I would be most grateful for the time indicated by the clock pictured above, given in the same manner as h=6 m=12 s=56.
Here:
h=3 m=44 s=38
